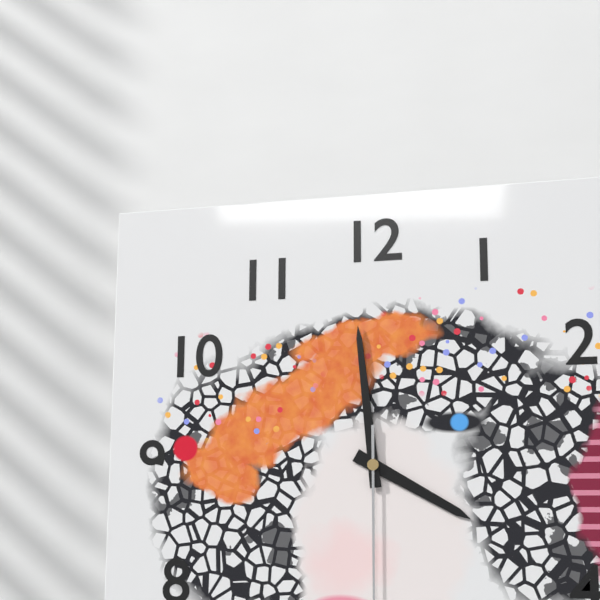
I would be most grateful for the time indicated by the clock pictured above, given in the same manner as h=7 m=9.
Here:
h=3 m=59
